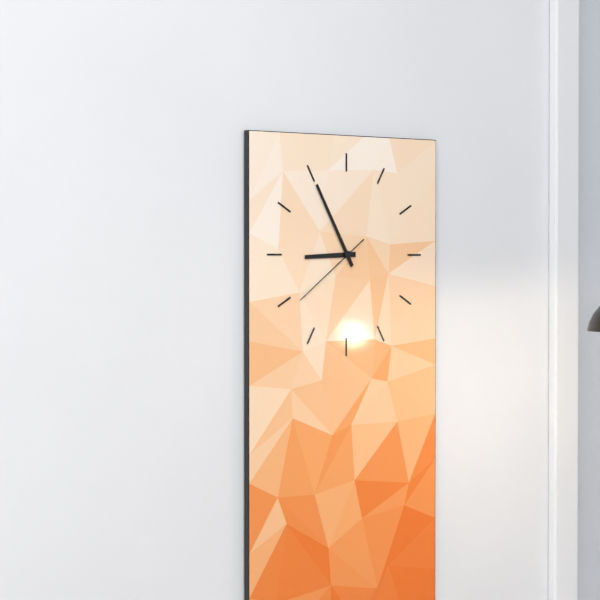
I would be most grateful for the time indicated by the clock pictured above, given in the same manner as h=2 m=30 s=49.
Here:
h=8 m=55 s=39
